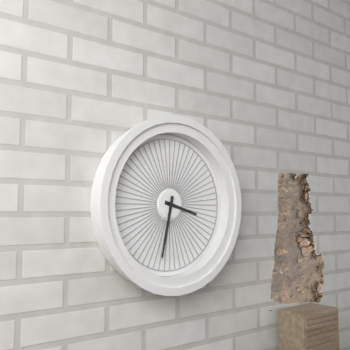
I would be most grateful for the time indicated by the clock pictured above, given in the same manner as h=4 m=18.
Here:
h=3 m=32
